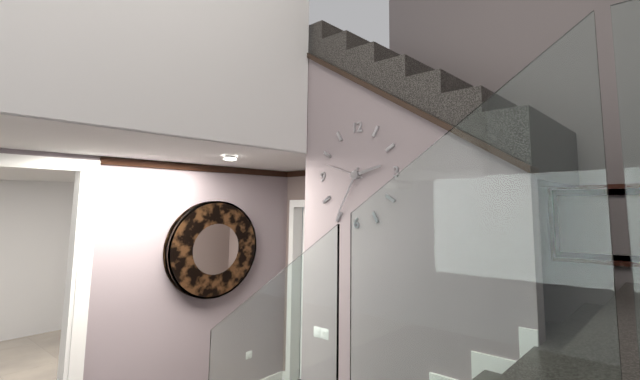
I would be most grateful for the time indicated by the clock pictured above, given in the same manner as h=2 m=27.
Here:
h=2 m=35
